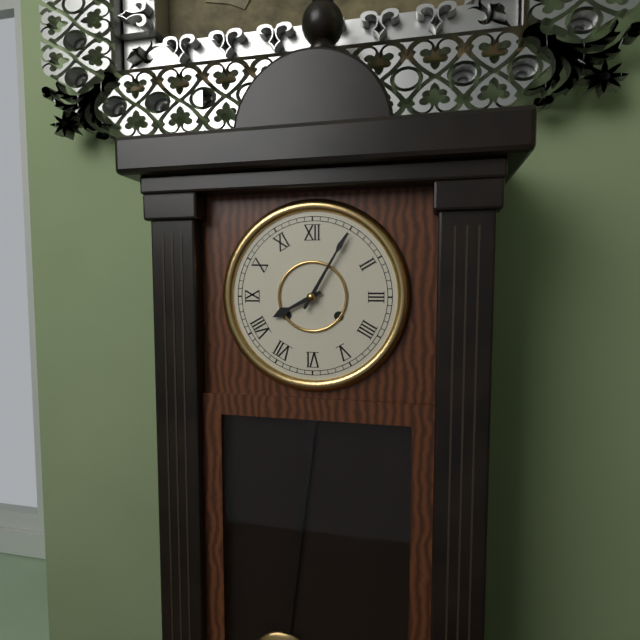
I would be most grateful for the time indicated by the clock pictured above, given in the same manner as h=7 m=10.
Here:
h=8 m=5
